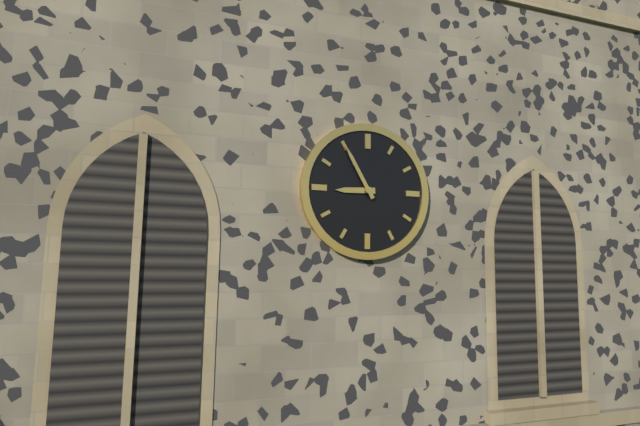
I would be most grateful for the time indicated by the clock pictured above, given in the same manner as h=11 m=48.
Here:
h=8 m=55
